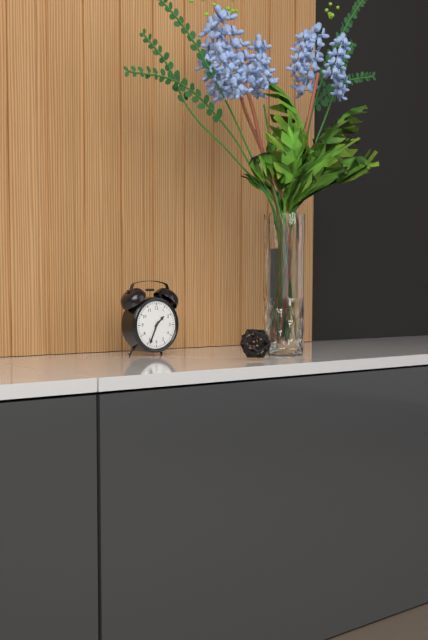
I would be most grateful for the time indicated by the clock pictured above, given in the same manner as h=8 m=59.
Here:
h=1 m=34
